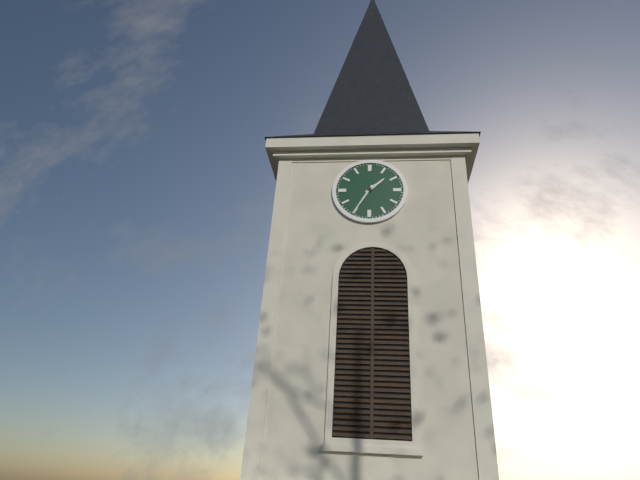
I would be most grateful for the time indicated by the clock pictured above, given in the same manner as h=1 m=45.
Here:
h=1 m=35
